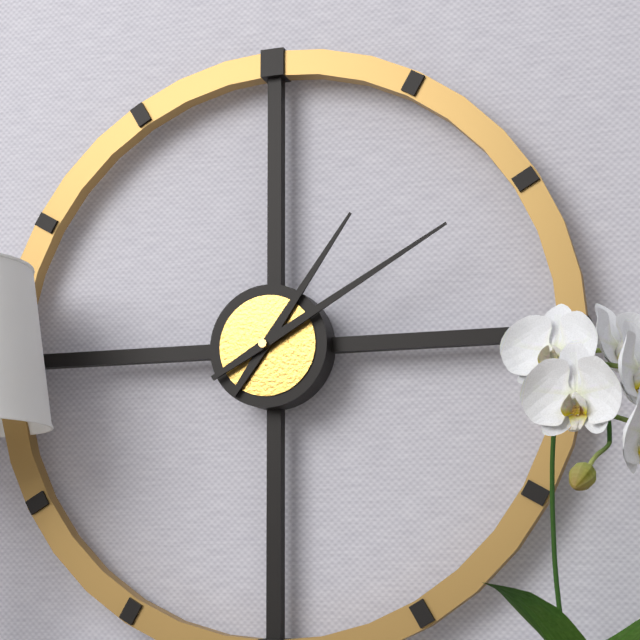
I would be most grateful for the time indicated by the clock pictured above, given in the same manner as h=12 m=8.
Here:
h=1 m=10
